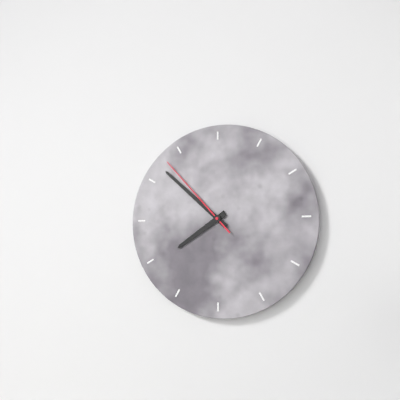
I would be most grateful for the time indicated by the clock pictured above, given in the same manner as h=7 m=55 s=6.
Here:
h=7 m=52 s=53
